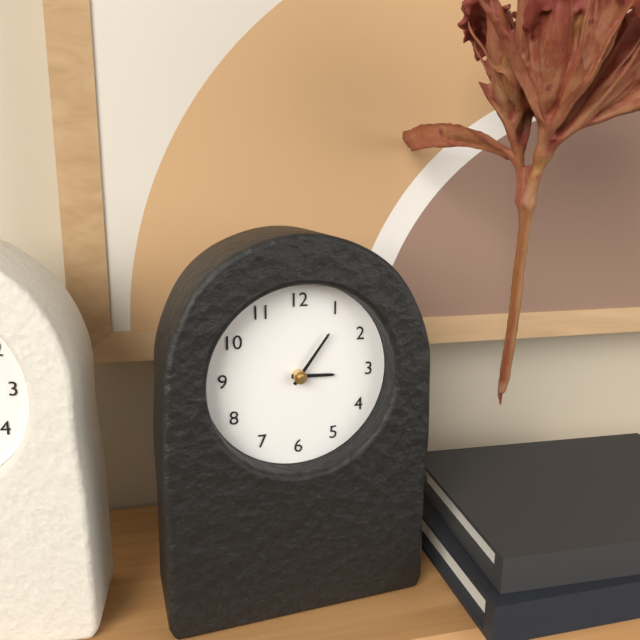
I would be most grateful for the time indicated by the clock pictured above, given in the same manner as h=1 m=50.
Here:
h=3 m=6
